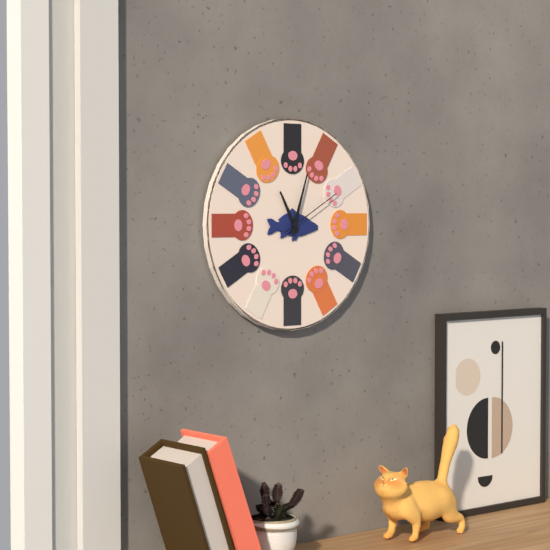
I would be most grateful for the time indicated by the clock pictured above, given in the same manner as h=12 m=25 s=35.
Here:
h=11 m=3 s=10
